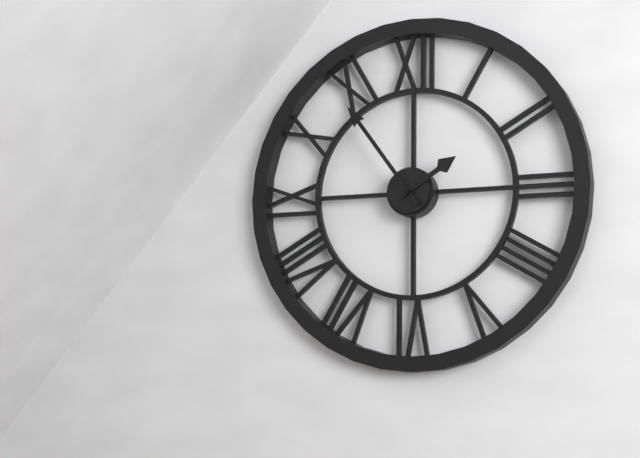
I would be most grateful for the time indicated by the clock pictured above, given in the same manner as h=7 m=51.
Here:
h=1 m=54
